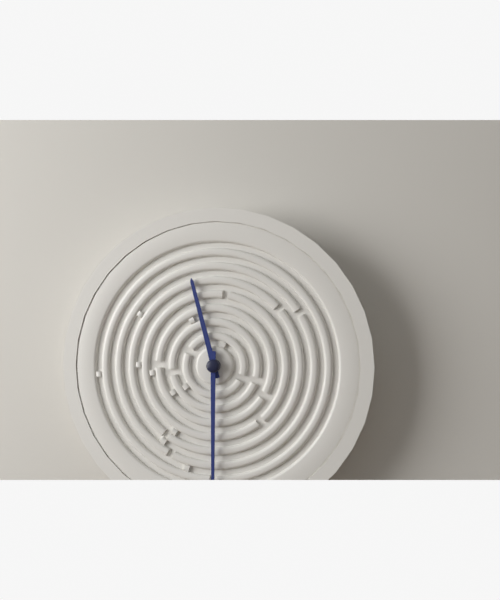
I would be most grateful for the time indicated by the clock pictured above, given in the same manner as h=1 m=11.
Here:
h=11 m=30
